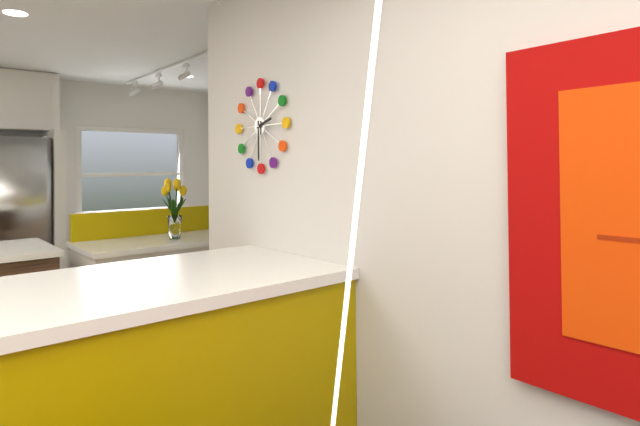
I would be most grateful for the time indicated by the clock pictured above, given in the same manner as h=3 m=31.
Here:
h=2 m=30
